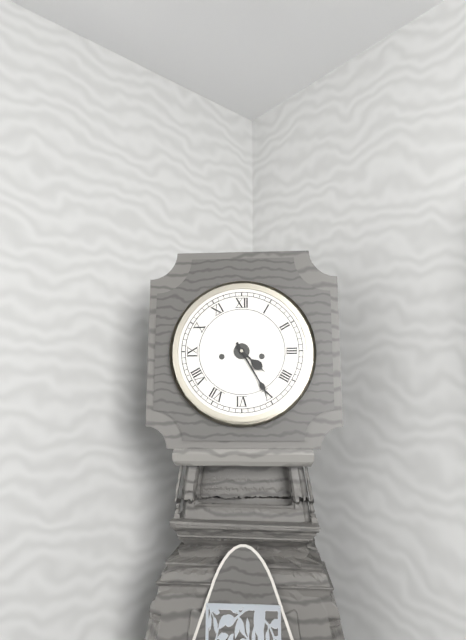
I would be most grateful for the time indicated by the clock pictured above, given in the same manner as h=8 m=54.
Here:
h=4 m=25
